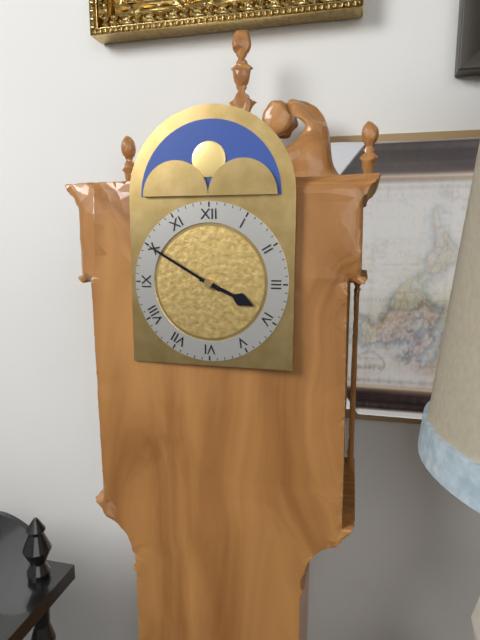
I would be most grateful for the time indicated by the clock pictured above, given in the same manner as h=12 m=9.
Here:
h=3 m=50
